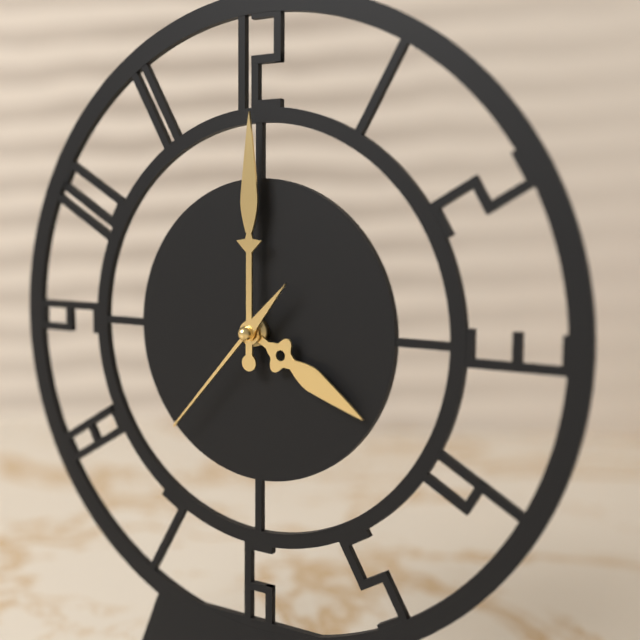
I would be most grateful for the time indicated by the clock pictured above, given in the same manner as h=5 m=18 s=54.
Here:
h=4 m=0 s=37
